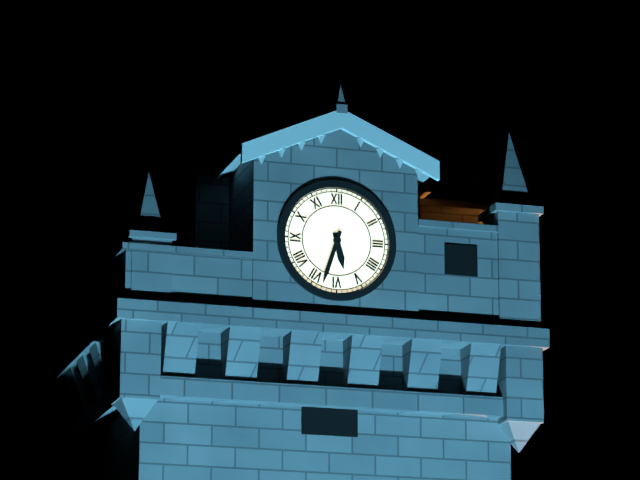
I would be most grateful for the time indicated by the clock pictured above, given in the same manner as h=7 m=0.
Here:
h=5 m=33
